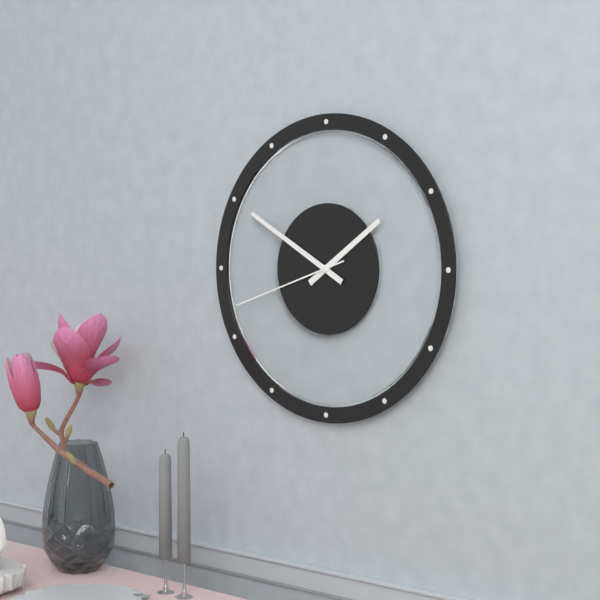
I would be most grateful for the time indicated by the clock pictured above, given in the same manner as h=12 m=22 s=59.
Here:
h=1 m=50 s=42
